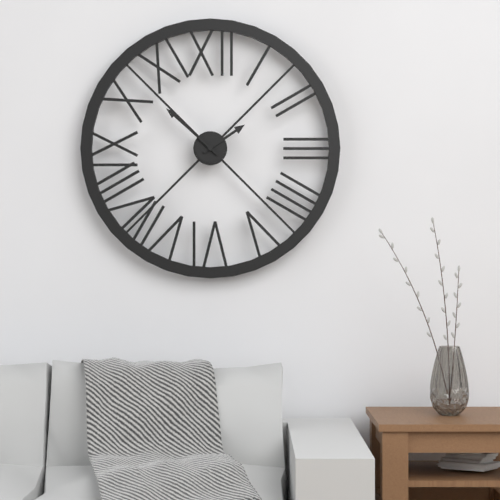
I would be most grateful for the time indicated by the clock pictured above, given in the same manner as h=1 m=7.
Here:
h=1 m=52
